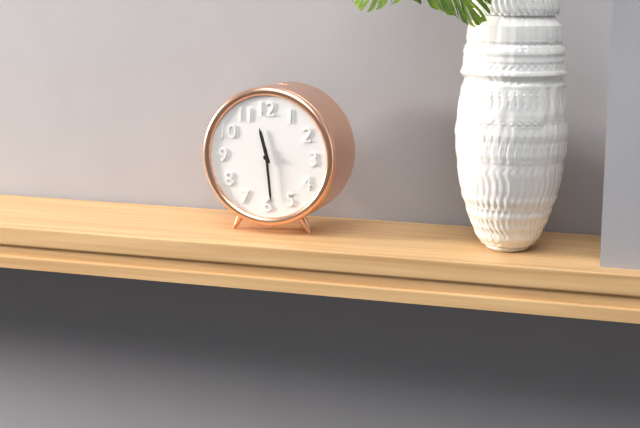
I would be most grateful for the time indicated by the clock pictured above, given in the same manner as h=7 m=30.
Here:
h=11 m=29
